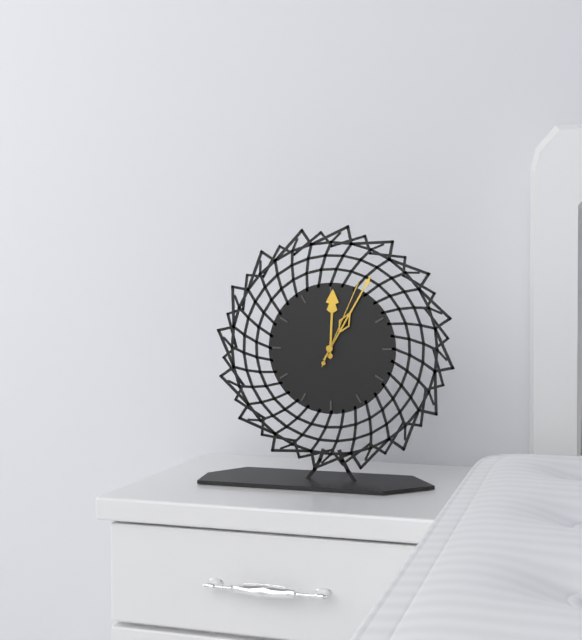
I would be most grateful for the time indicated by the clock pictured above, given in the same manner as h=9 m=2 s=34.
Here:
h=12 m=5 s=4
